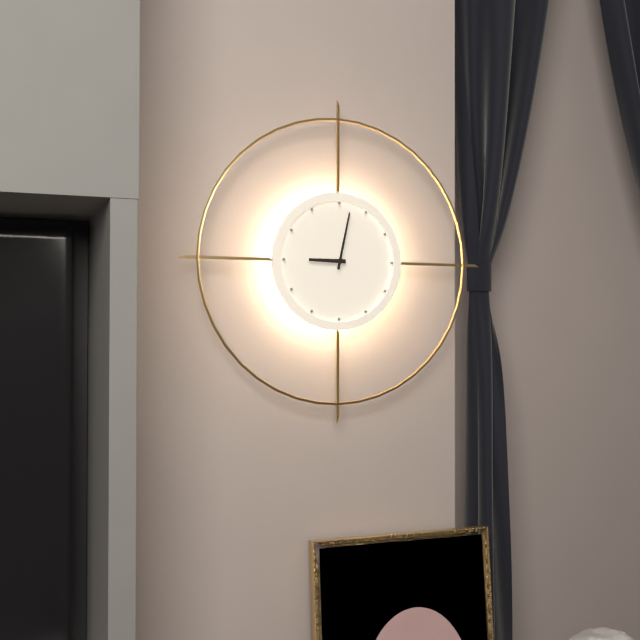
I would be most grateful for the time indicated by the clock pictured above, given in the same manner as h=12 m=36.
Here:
h=9 m=2
